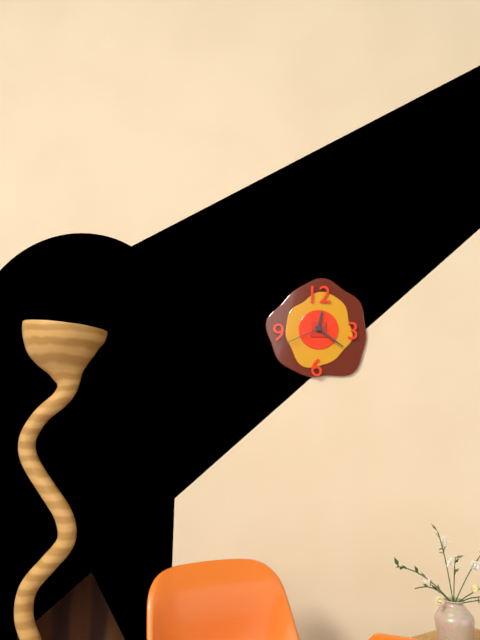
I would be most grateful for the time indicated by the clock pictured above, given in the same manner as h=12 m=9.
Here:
h=12 m=21
